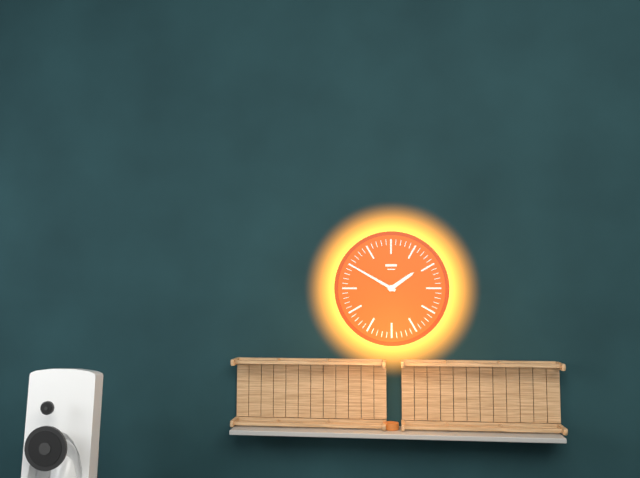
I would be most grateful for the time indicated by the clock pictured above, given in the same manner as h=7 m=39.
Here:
h=1 m=50
